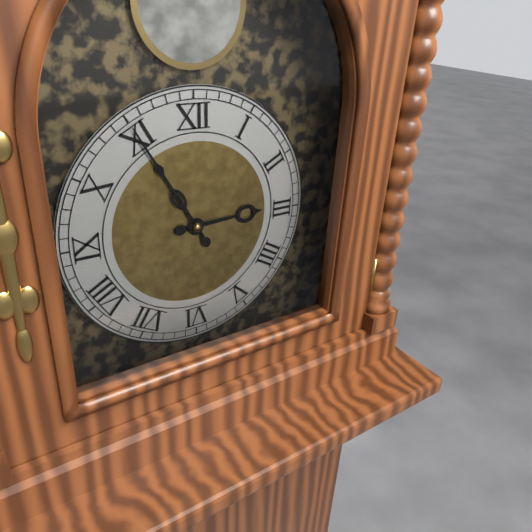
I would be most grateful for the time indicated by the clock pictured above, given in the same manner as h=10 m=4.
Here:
h=2 m=55
